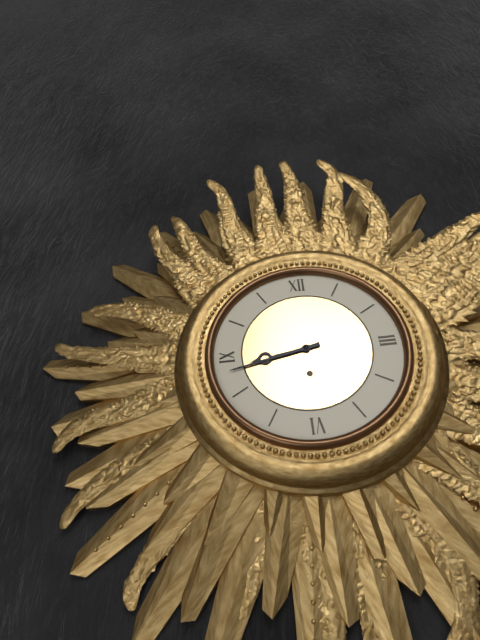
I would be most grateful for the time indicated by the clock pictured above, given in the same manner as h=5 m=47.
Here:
h=8 m=43
